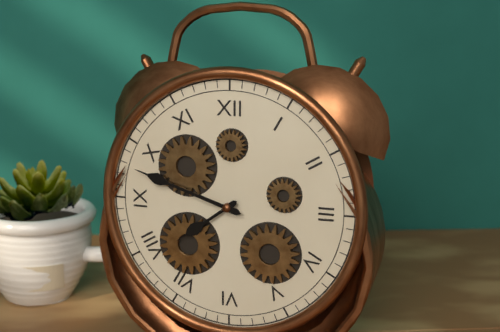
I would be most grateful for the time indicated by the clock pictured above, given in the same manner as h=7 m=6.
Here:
h=7 m=48
